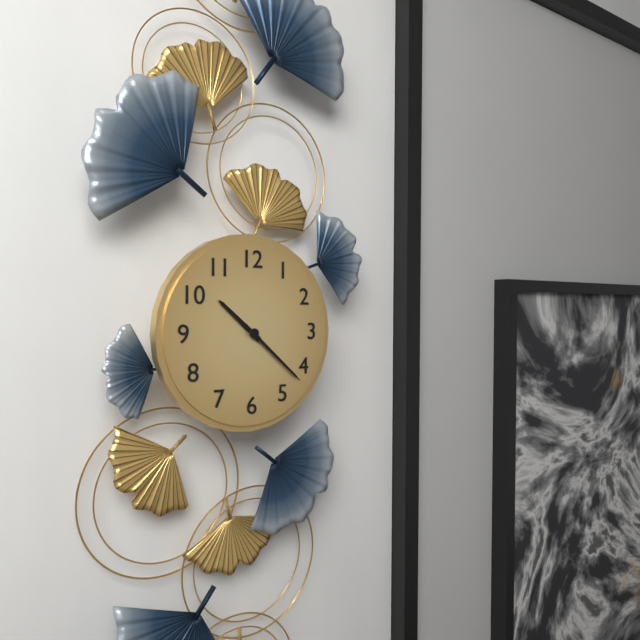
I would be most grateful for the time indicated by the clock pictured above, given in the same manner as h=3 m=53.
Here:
h=10 m=22
